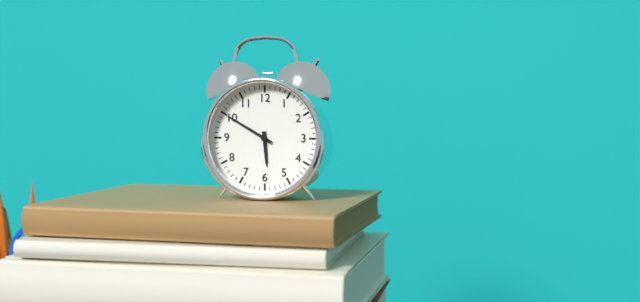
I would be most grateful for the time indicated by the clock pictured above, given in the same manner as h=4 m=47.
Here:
h=5 m=50
